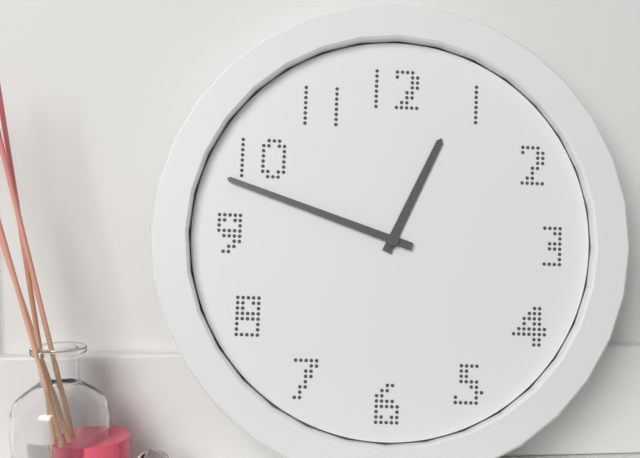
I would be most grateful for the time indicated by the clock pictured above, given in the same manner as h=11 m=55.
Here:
h=12 m=48
